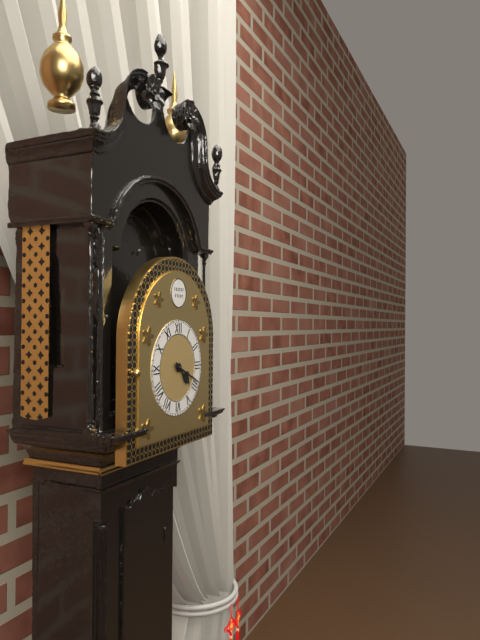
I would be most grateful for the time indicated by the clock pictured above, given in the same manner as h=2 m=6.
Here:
h=4 m=19
